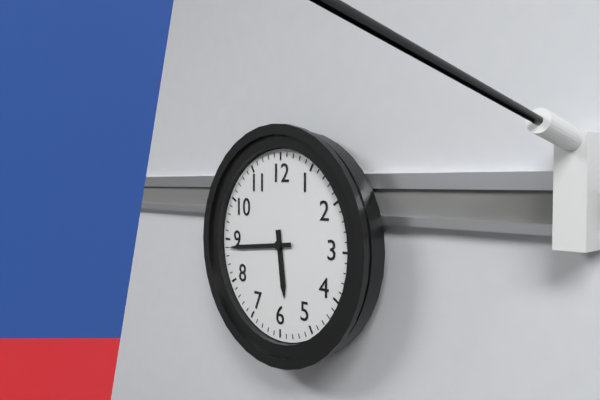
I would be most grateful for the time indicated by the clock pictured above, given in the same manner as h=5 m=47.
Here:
h=5 m=44
